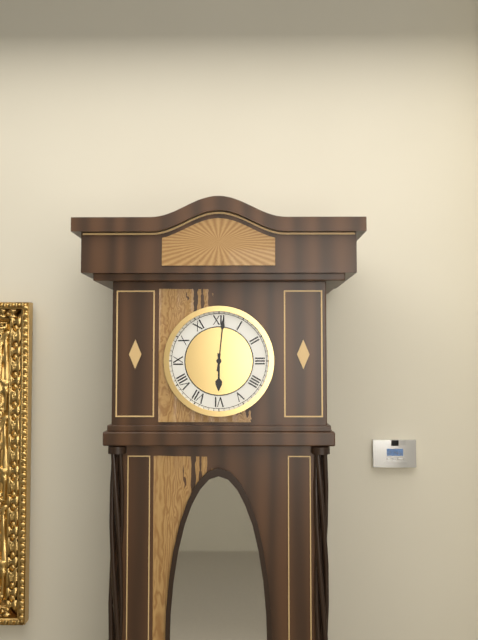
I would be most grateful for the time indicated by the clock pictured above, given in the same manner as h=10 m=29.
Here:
h=6 m=1
